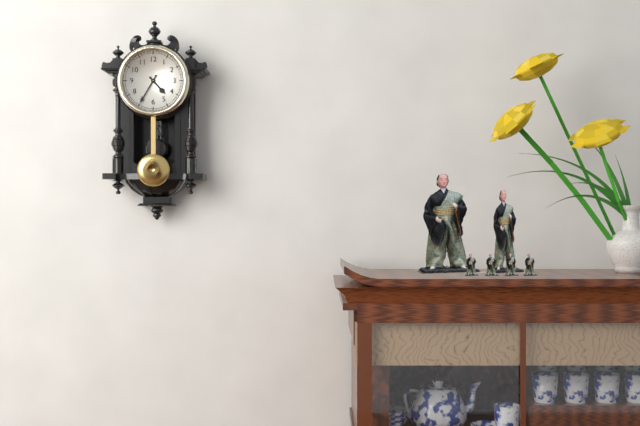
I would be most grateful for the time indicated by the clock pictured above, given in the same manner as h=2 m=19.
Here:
h=4 m=35
